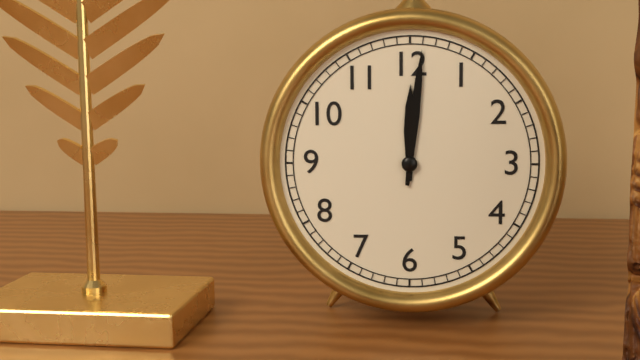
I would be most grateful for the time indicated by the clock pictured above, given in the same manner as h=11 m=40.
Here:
h=12 m=1
